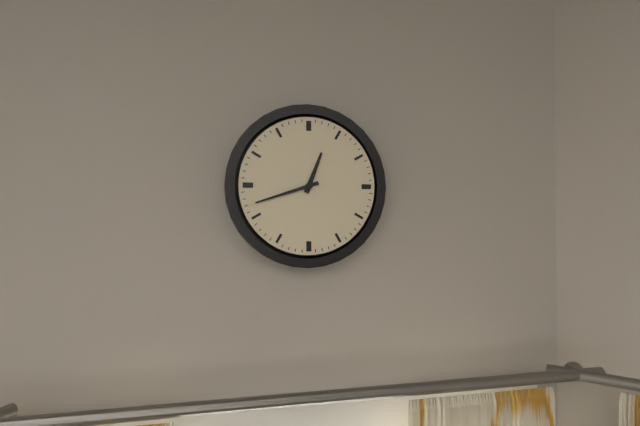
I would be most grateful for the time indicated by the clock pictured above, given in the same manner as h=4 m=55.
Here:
h=12 m=42
